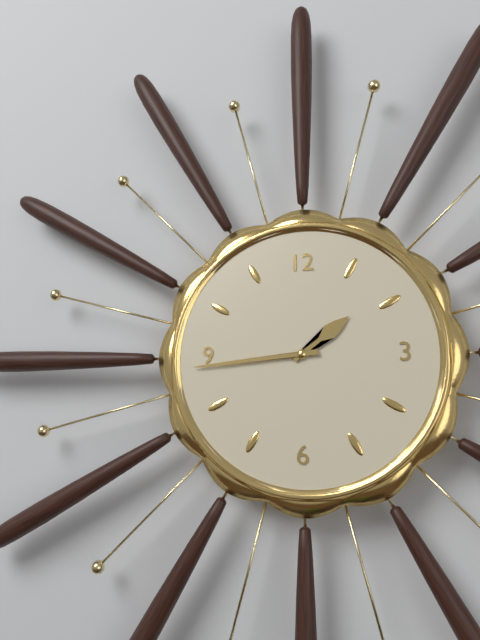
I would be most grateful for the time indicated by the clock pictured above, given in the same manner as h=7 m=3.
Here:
h=1 m=44
